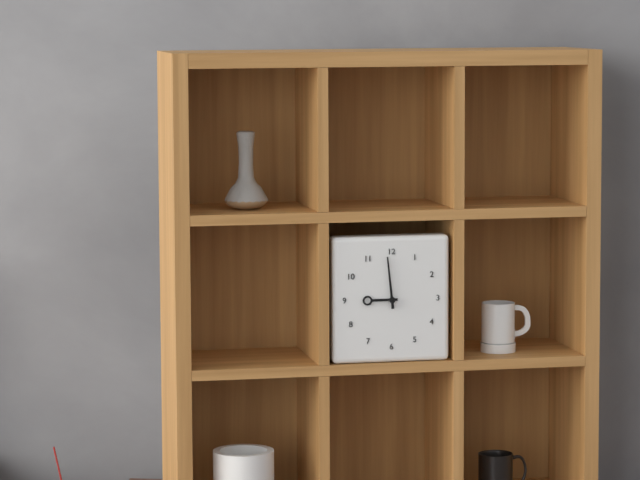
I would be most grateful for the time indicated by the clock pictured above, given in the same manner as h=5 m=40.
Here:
h=8 m=59
